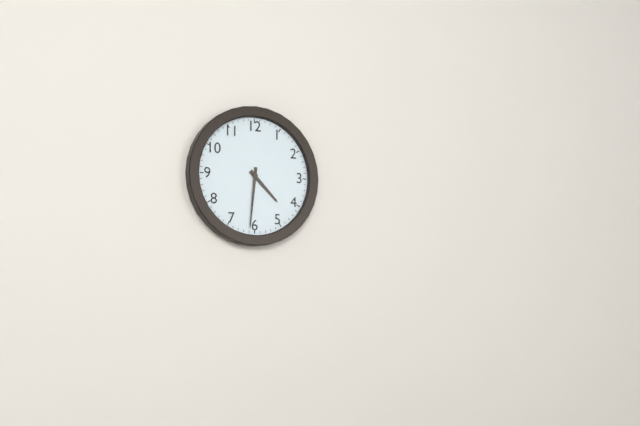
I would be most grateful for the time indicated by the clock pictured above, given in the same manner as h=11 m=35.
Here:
h=4 m=31
